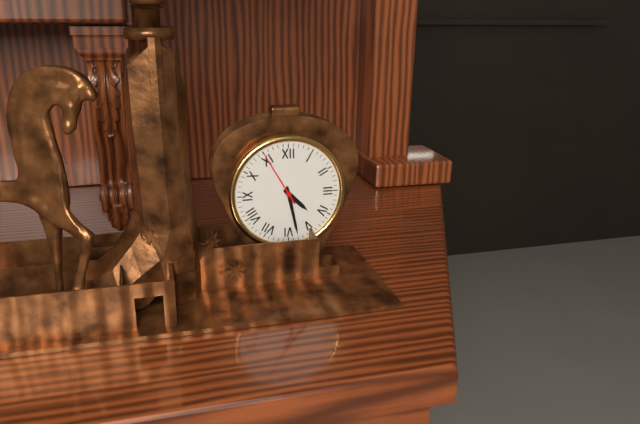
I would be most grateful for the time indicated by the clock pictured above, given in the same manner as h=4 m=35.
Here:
h=4 m=28
